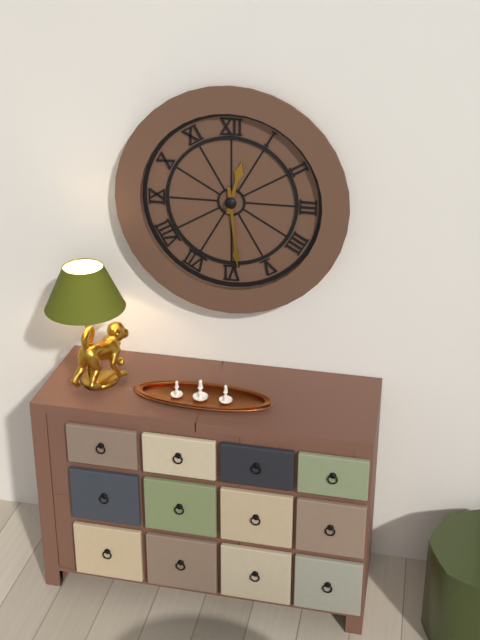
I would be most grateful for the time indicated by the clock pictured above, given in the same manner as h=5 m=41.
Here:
h=12 m=29
